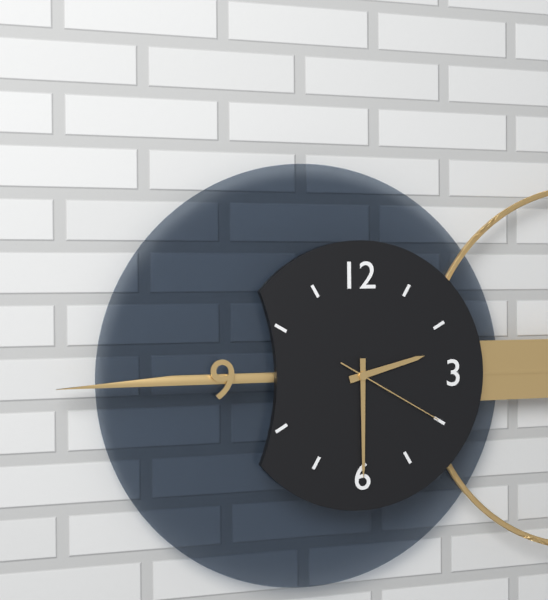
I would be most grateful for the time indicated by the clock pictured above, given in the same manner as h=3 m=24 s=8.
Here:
h=2 m=30 s=20
